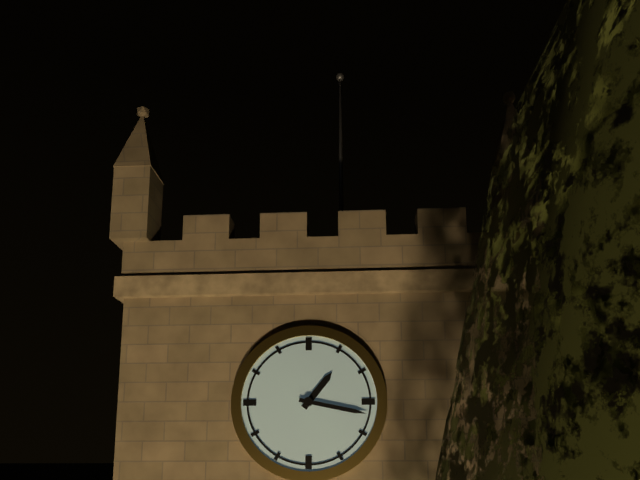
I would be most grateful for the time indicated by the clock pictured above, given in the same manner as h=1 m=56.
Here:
h=1 m=17
